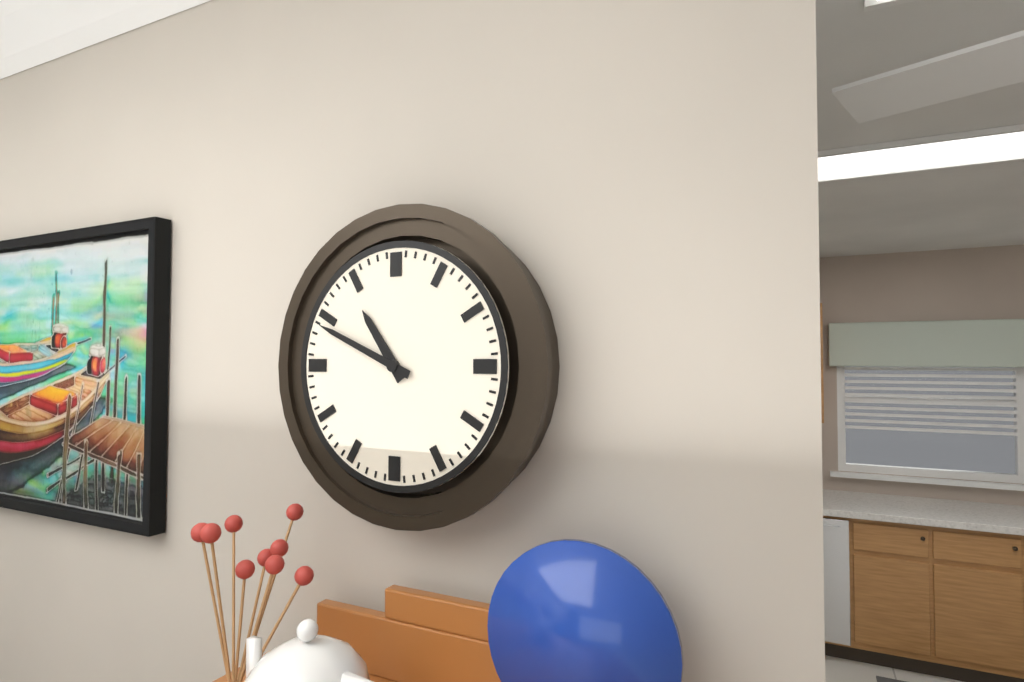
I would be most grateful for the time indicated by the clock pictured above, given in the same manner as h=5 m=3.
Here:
h=10 m=49
